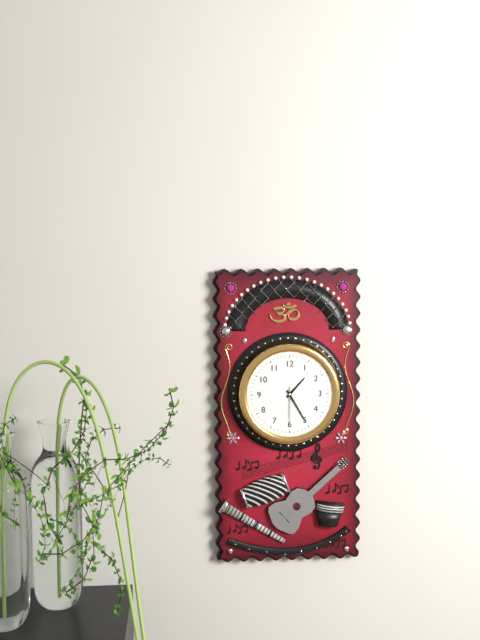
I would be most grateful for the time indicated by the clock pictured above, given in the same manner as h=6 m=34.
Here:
h=1 m=25
